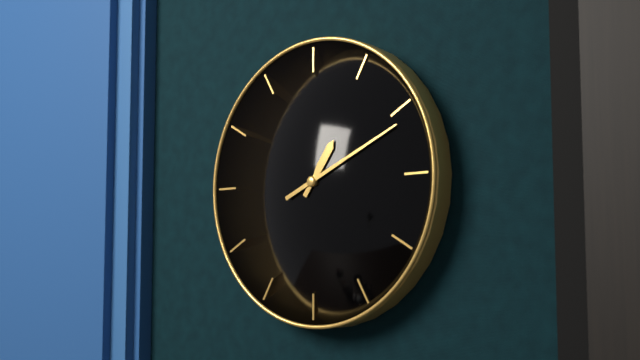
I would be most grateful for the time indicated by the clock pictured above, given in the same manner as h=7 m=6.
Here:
h=1 m=11
